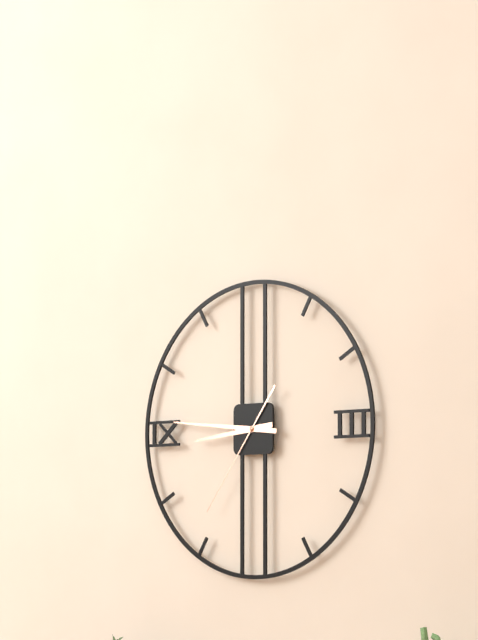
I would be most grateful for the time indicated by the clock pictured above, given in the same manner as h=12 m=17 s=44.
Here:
h=8 m=46 s=36
